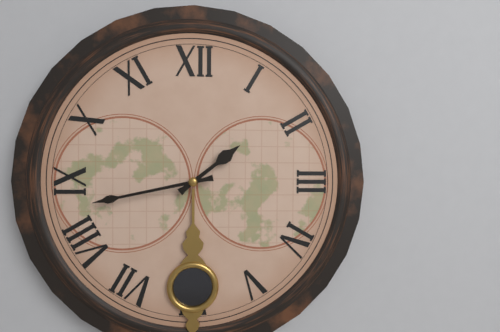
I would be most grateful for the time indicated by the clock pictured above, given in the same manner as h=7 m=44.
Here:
h=1 m=43
